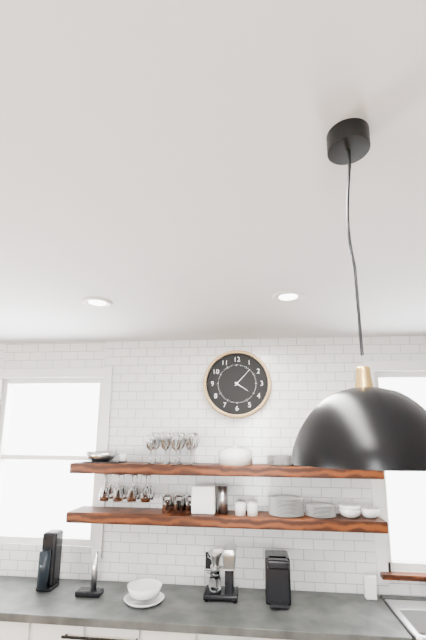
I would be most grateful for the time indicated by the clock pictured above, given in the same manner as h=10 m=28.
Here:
h=4 m=7
